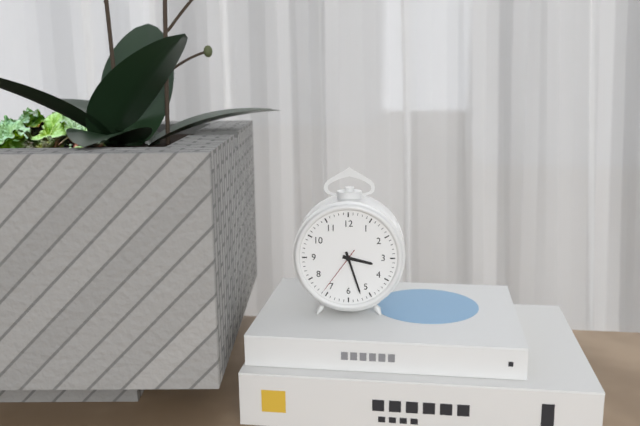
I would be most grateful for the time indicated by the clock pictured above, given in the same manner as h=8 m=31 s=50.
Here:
h=3 m=27 s=36
